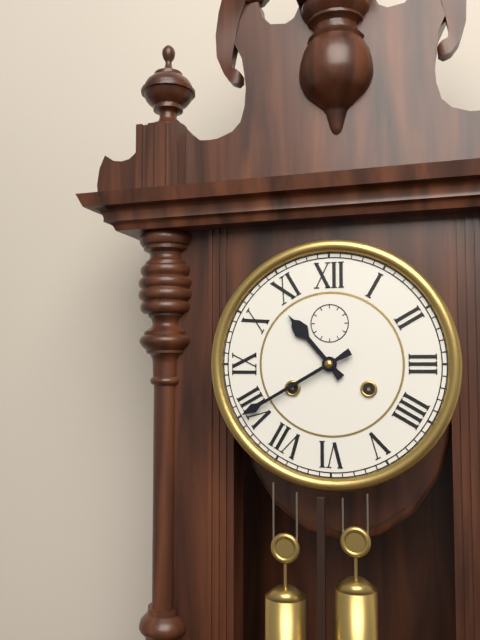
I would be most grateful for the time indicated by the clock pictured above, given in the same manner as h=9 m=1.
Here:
h=10 m=40
